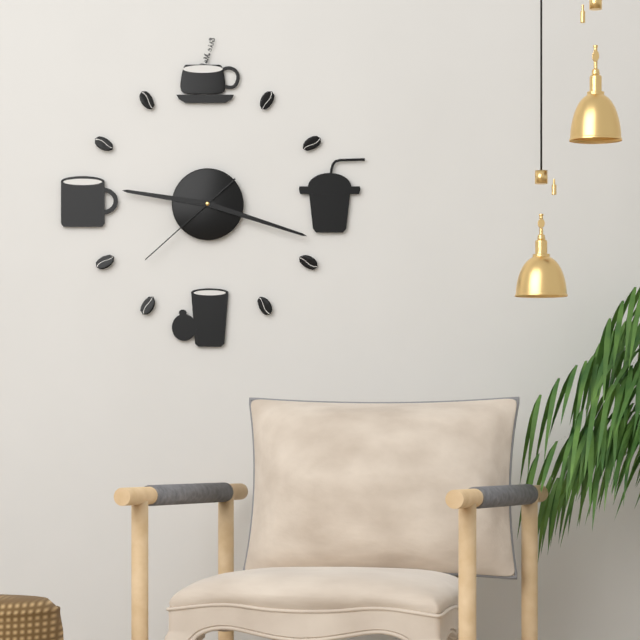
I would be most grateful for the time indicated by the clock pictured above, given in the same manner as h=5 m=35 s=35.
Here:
h=9 m=18 s=38
